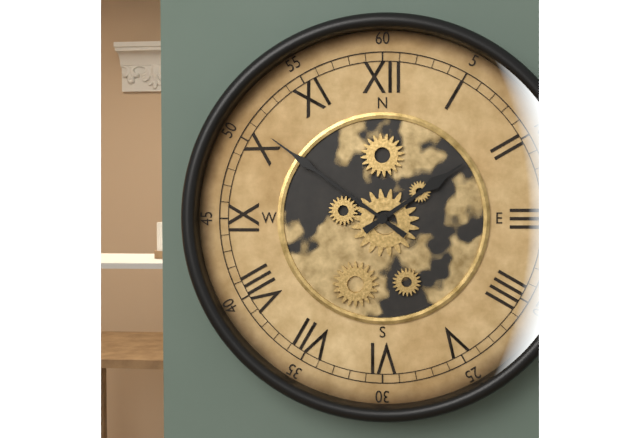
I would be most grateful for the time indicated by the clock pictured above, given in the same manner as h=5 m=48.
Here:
h=1 m=51
